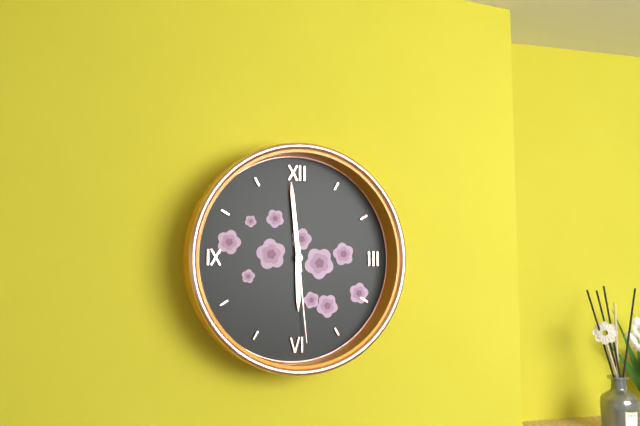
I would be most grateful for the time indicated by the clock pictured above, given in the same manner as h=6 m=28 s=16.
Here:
h=5 m=59 s=29
